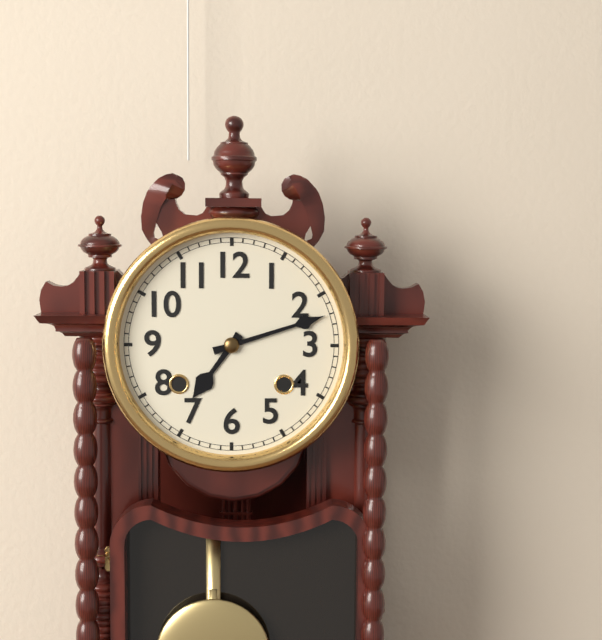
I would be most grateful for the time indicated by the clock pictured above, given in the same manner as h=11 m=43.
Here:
h=7 m=12
